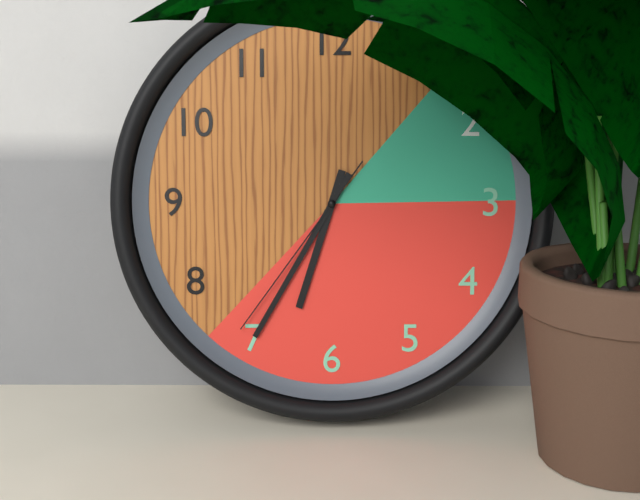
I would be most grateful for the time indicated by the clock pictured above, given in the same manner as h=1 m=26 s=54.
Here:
h=6 m=35 s=36
